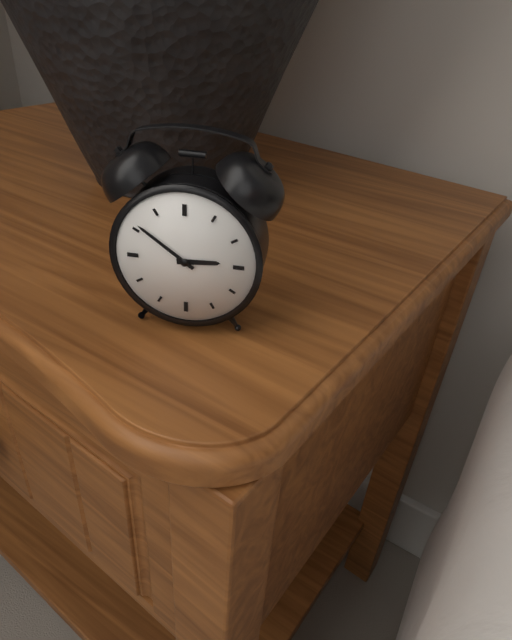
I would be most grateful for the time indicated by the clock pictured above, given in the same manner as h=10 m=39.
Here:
h=2 m=51
